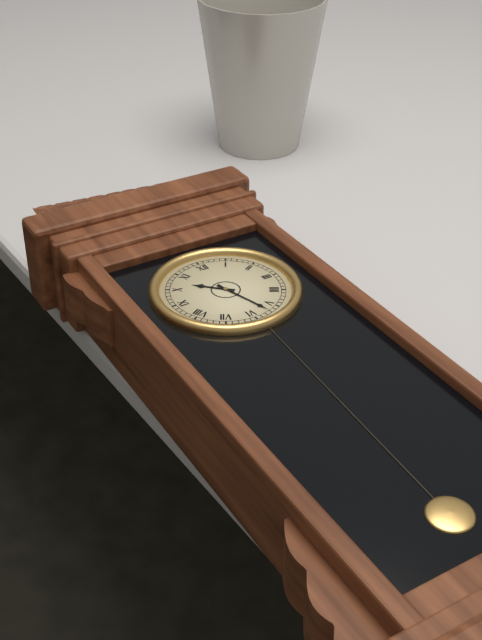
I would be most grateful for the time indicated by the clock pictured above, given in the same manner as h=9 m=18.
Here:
h=10 m=27
